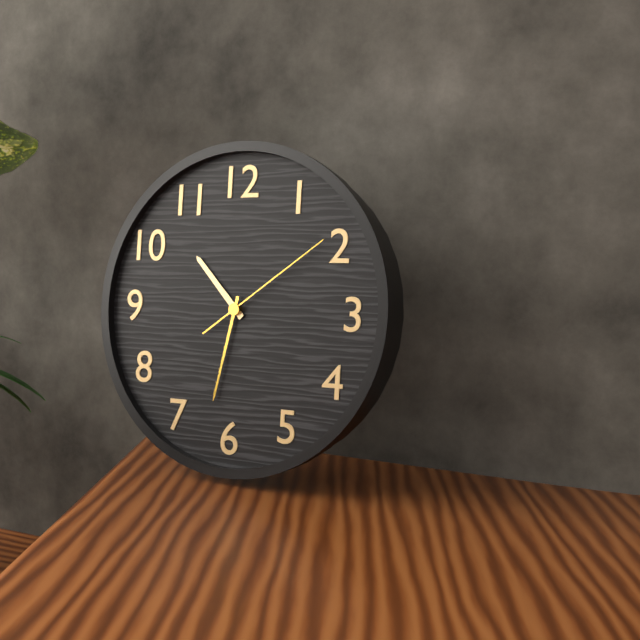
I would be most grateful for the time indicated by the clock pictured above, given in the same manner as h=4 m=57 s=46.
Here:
h=10 m=32 s=9
